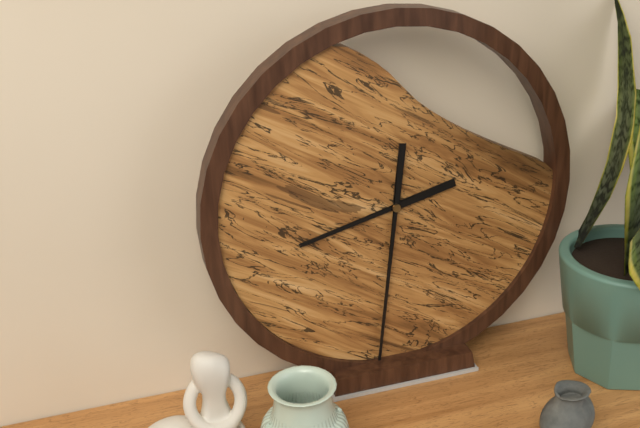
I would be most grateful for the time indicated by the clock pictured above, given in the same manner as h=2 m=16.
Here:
h=8 m=31
